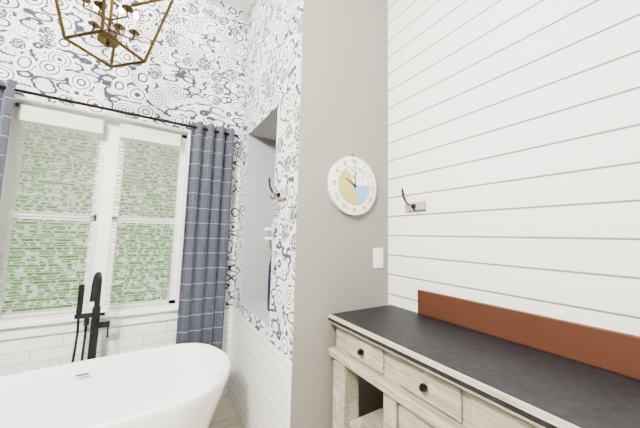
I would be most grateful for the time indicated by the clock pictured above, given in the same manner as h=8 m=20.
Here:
h=10 m=0
